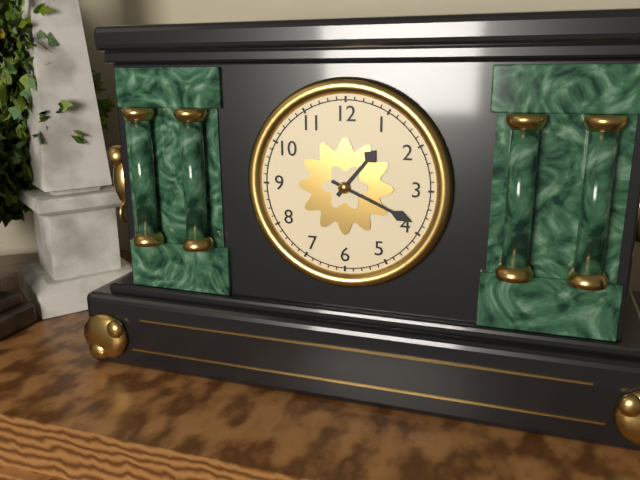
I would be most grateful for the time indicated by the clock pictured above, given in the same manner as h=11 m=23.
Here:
h=1 m=19
